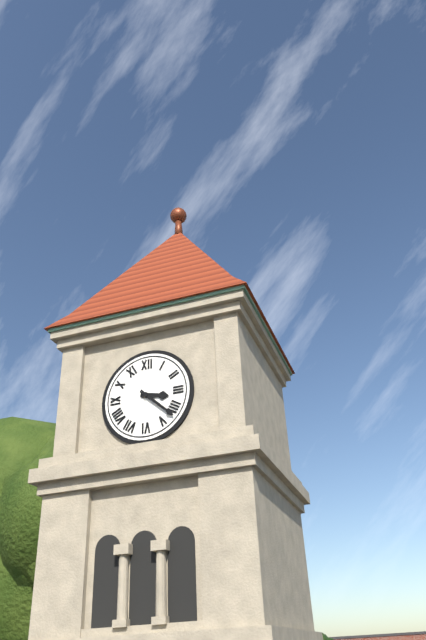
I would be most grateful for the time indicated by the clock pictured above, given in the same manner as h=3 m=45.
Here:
h=3 m=22
